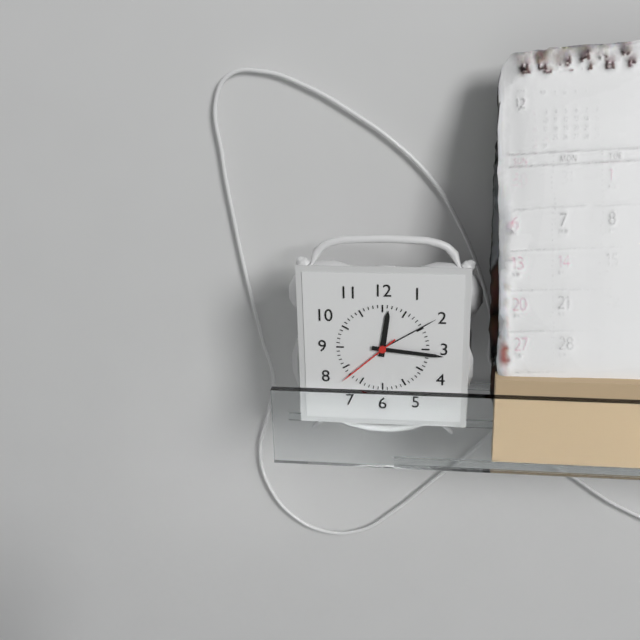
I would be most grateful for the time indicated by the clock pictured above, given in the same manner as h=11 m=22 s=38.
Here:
h=12 m=16 s=38
